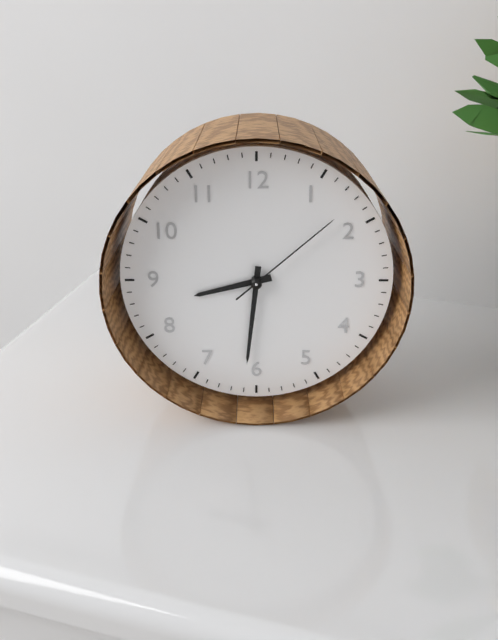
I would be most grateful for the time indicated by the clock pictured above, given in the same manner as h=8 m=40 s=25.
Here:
h=8 m=31 s=8
